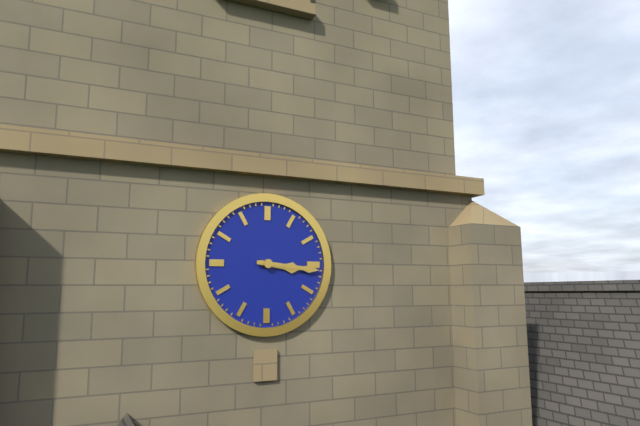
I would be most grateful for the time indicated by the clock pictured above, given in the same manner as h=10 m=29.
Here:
h=3 m=16
